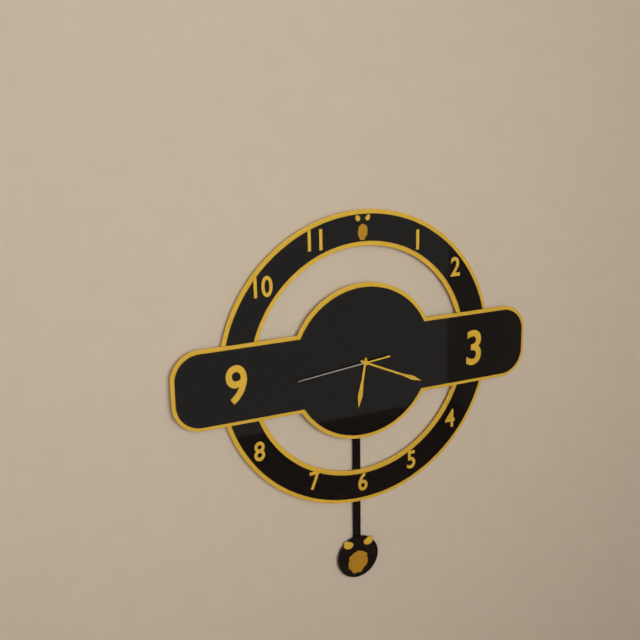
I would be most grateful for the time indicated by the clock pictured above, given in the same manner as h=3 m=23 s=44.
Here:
h=6 m=19 s=44
